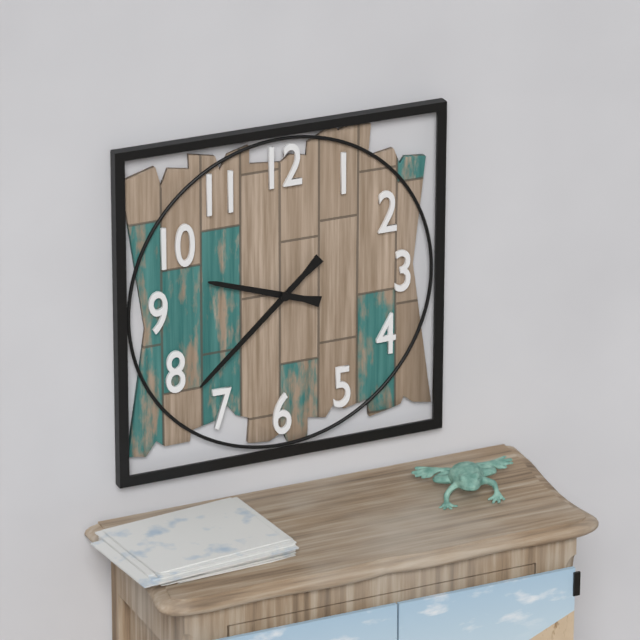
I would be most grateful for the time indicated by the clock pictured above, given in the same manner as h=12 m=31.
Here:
h=9 m=38
